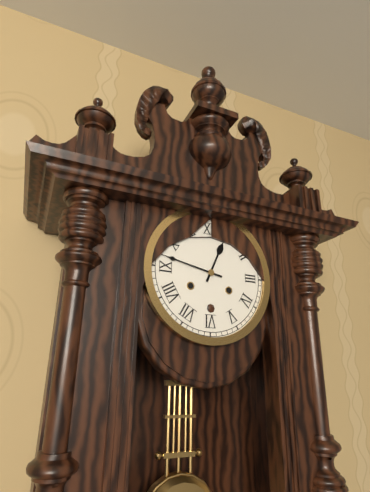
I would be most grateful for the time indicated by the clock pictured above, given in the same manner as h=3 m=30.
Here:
h=12 m=47
